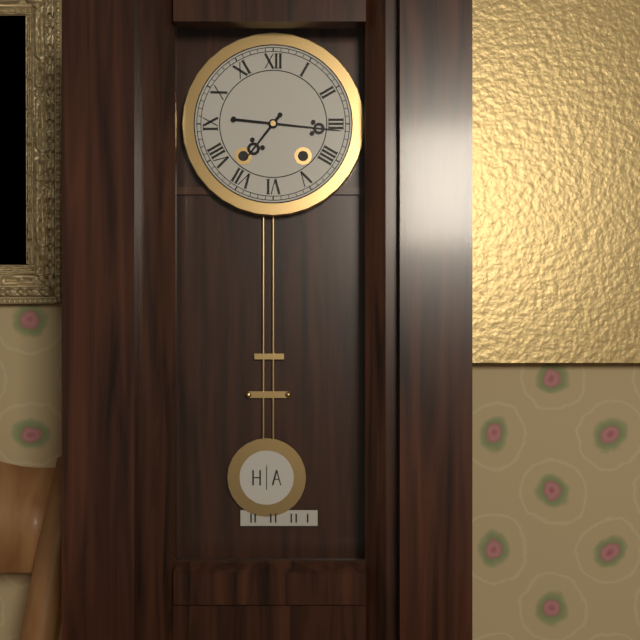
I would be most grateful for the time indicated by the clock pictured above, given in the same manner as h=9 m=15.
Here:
h=7 m=16
